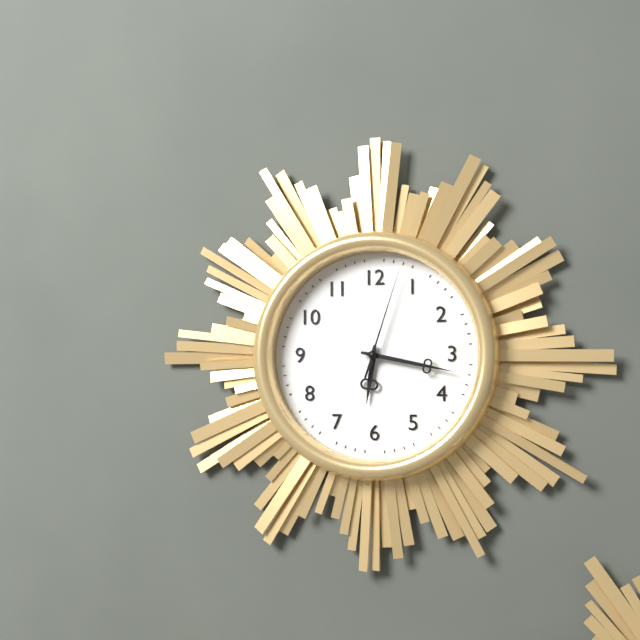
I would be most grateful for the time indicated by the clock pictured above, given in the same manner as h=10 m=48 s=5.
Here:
h=6 m=17 s=3
